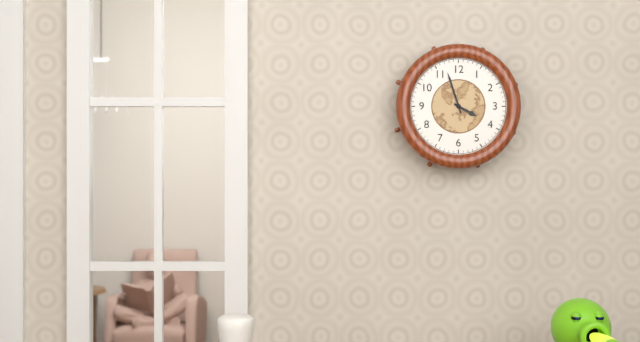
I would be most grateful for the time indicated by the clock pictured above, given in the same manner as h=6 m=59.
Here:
h=3 m=57
